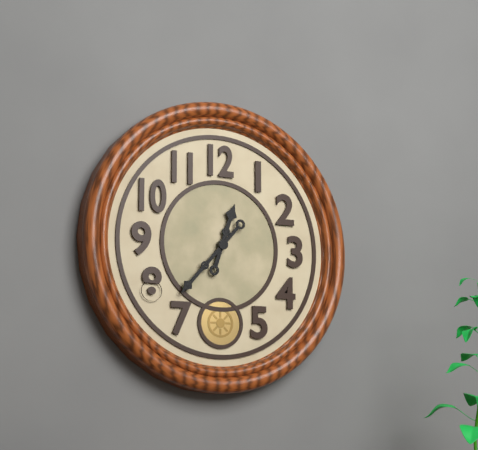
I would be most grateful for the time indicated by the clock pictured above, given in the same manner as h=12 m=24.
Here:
h=12 m=37
